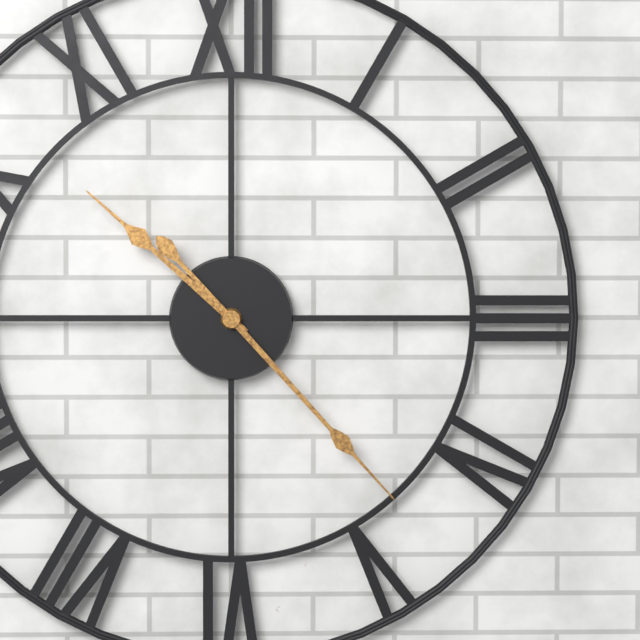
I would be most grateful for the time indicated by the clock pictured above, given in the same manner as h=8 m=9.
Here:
h=10 m=23
